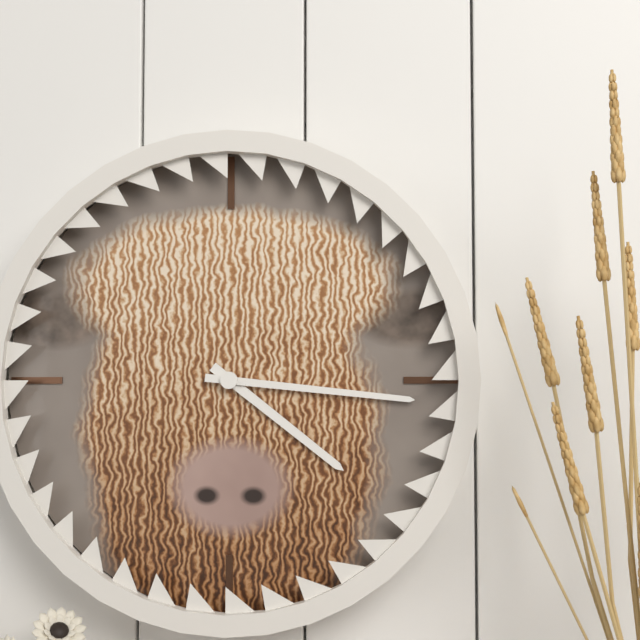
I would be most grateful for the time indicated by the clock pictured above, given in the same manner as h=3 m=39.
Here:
h=4 m=16
